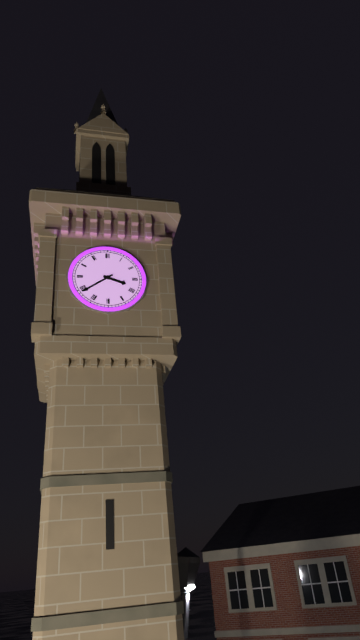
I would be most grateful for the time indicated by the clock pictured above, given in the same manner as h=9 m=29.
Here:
h=3 m=39
